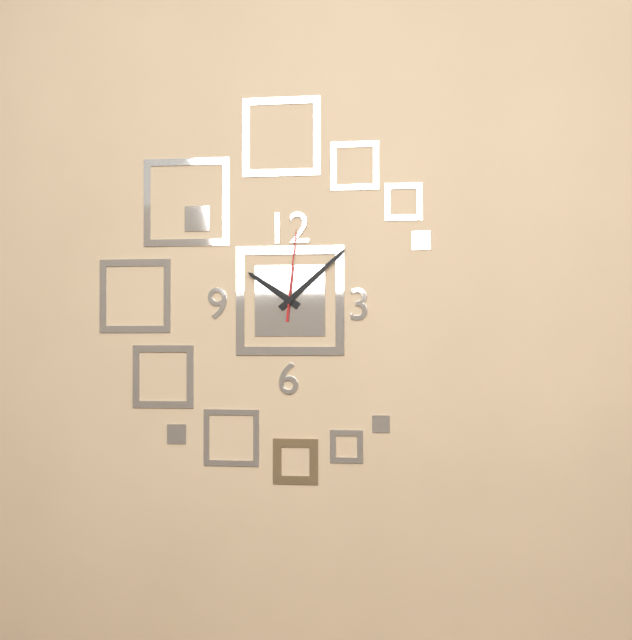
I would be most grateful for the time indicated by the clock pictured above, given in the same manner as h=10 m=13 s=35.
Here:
h=10 m=8 s=1
